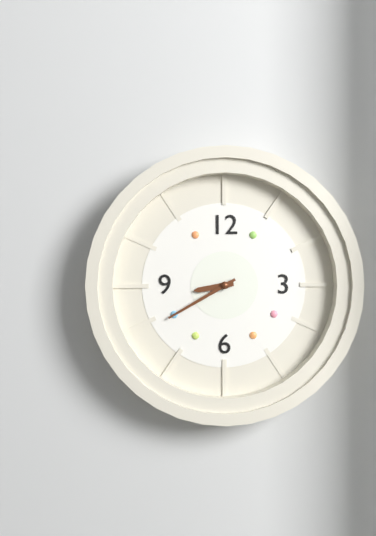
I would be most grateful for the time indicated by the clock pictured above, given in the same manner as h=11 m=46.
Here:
h=8 m=40
